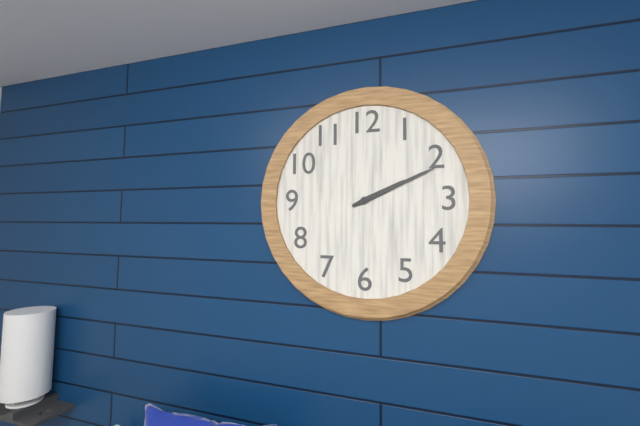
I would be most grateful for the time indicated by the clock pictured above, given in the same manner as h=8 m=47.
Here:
h=2 m=11
